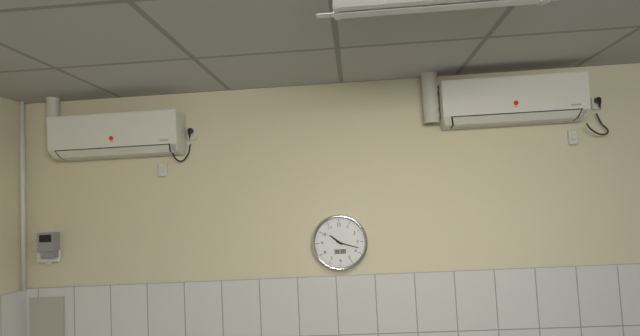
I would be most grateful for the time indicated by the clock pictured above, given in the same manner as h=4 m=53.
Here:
h=10 m=18
